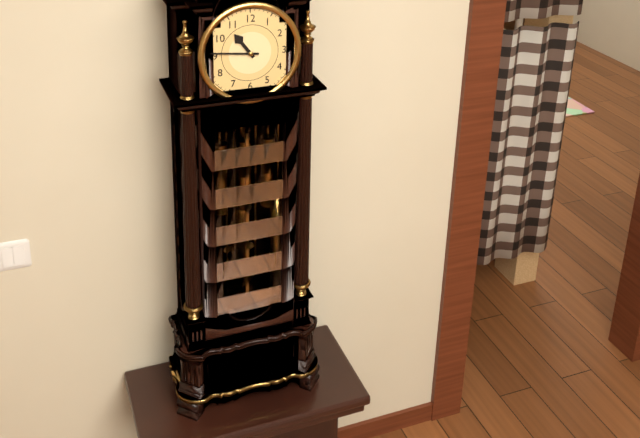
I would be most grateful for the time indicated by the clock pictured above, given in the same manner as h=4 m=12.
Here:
h=10 m=46
